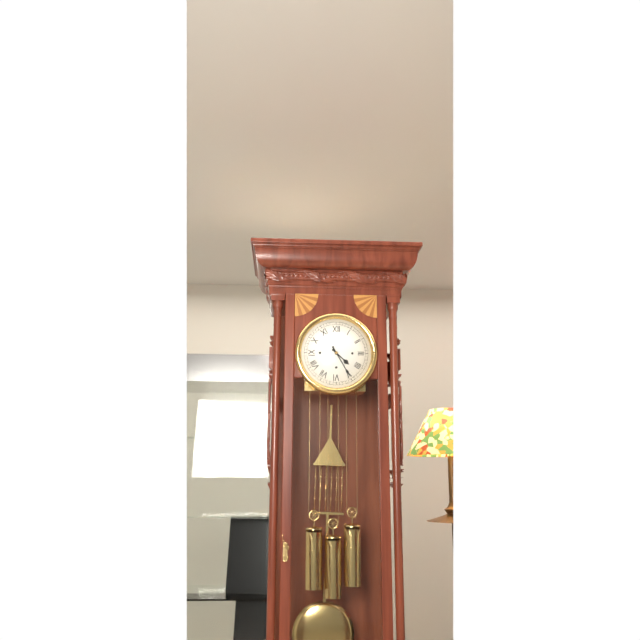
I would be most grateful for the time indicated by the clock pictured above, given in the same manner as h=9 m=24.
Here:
h=4 m=25
